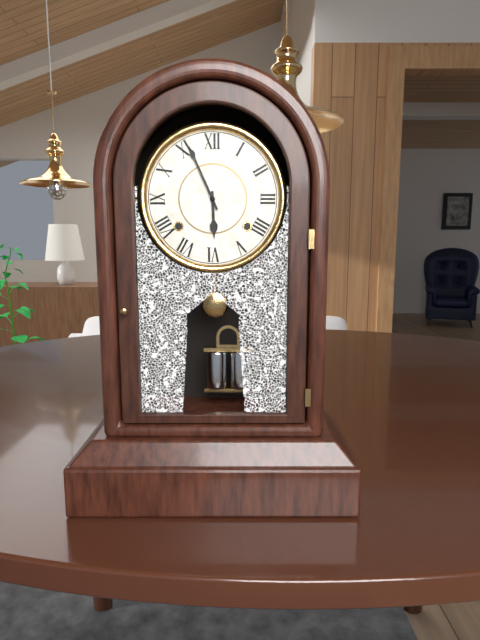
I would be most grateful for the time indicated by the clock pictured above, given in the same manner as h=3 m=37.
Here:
h=5 m=56
